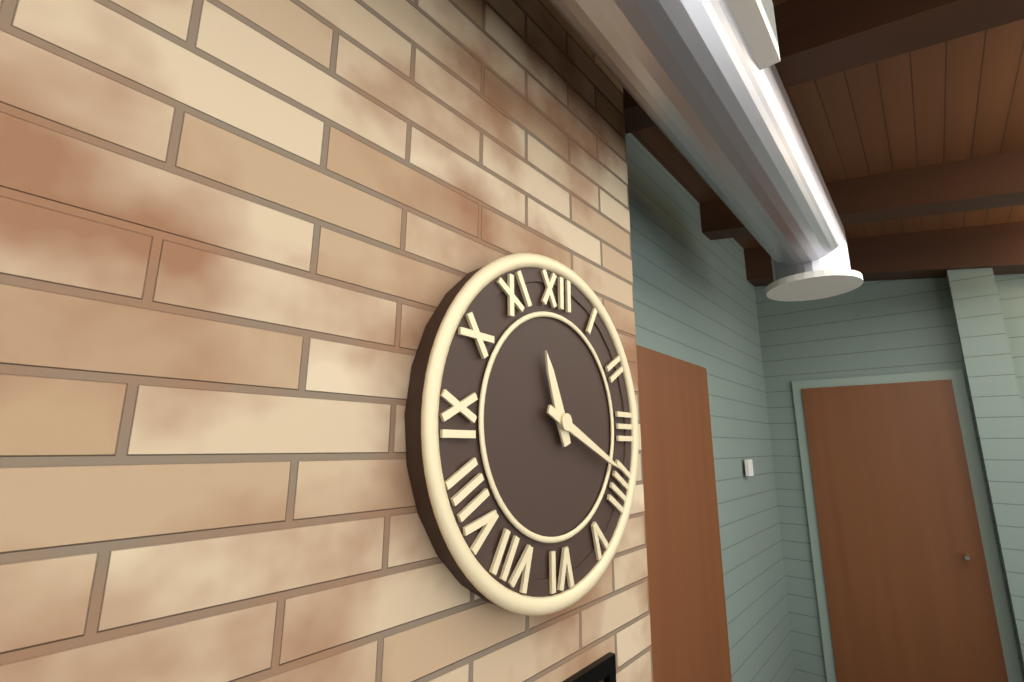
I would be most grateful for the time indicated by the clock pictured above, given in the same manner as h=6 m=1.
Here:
h=11 m=19
